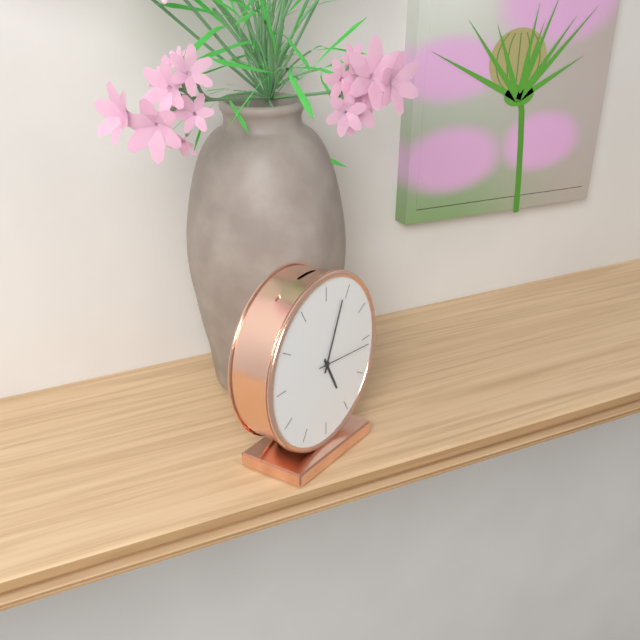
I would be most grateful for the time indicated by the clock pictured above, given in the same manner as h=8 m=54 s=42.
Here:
h=5 m=4 s=16
